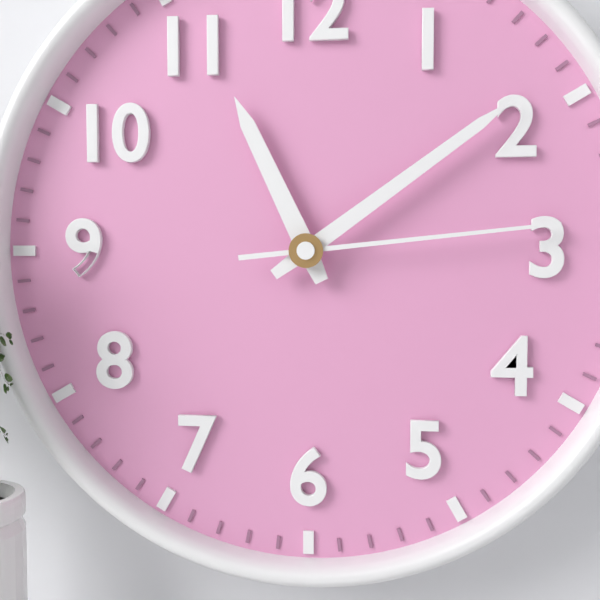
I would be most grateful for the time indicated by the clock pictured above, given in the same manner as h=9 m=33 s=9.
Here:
h=11 m=9 s=14
